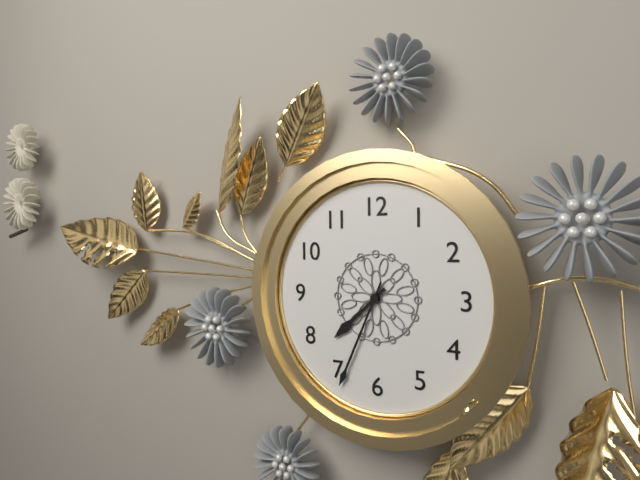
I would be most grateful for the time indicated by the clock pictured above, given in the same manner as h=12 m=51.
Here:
h=7 m=34
